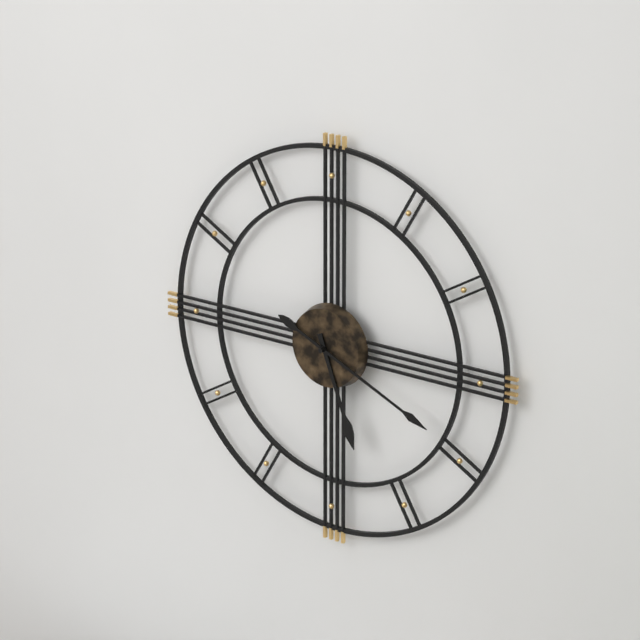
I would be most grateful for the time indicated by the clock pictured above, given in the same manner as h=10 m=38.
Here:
h=5 m=19
